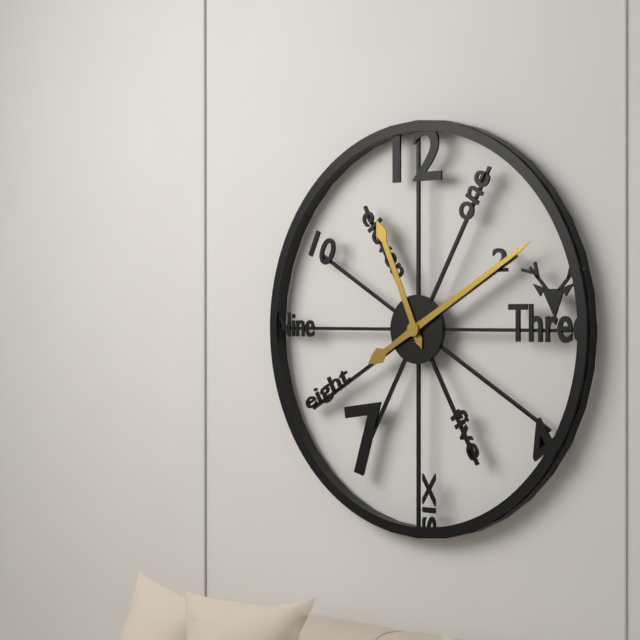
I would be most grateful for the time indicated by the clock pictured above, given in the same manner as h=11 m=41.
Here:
h=11 m=10
